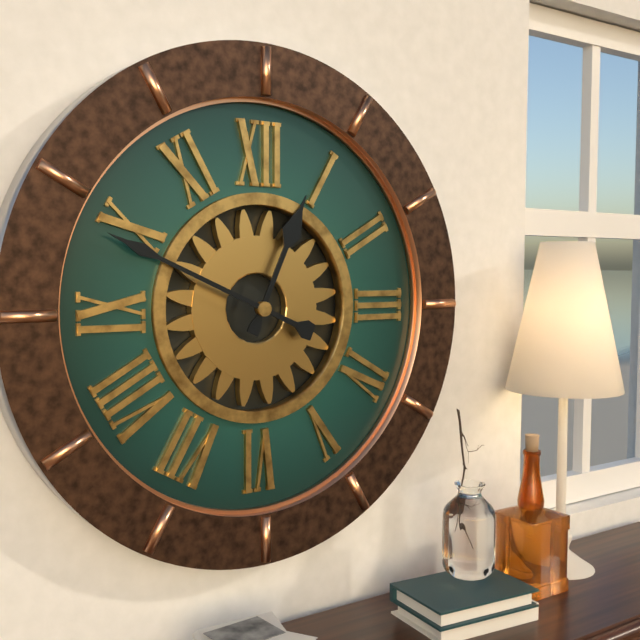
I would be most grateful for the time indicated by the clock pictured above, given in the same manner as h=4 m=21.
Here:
h=12 m=49
